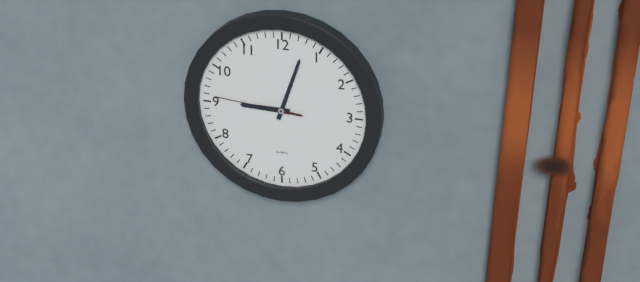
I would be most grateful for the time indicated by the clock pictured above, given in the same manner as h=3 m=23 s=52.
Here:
h=9 m=3 s=46
